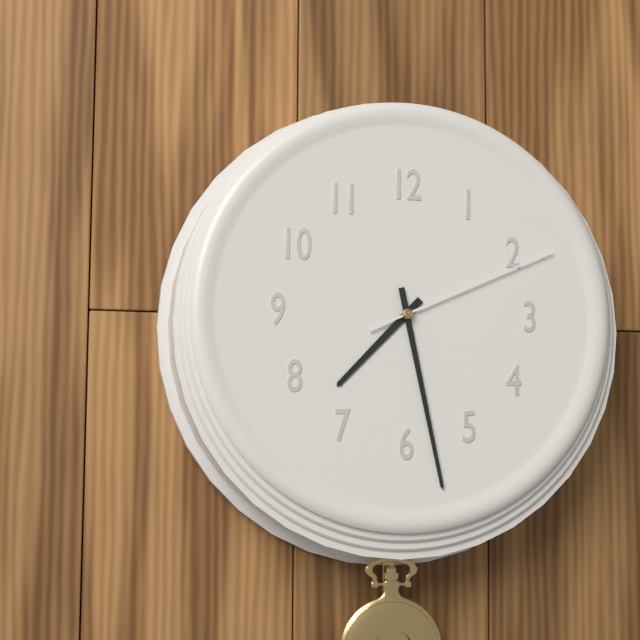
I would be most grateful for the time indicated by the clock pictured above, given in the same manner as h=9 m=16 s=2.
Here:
h=7 m=28 s=11
